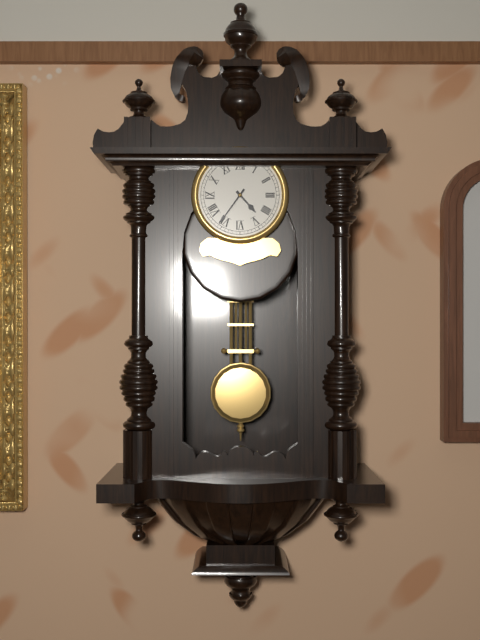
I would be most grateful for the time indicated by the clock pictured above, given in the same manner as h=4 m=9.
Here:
h=4 m=36
